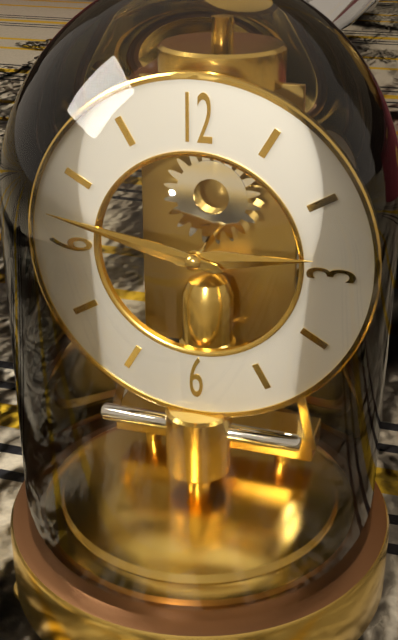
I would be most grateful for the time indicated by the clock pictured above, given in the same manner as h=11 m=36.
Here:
h=2 m=47
